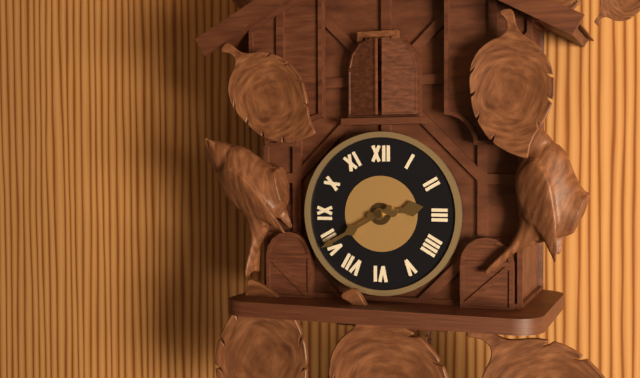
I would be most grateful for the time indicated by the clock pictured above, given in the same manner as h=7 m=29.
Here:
h=2 m=40
